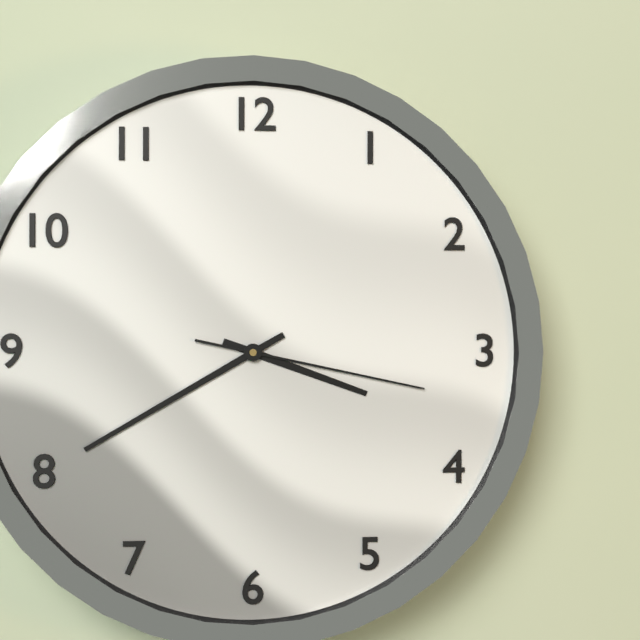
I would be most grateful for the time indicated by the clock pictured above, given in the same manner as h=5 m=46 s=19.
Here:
h=3 m=40 s=17
